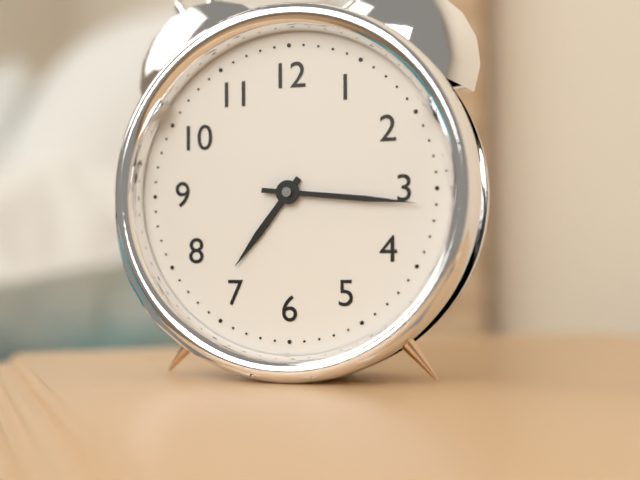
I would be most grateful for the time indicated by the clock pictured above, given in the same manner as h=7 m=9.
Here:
h=7 m=16
